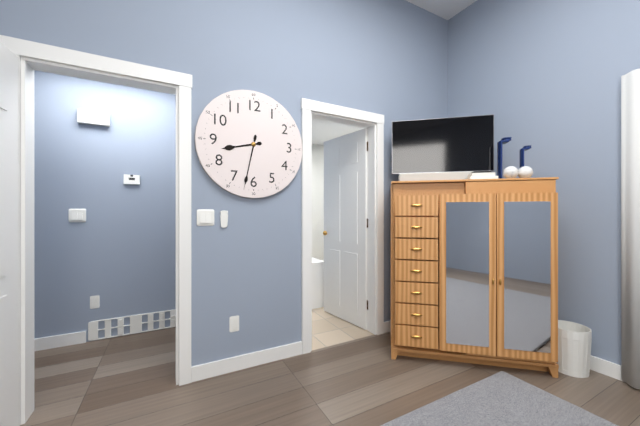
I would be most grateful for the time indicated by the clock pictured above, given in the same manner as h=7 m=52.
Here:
h=8 m=32
